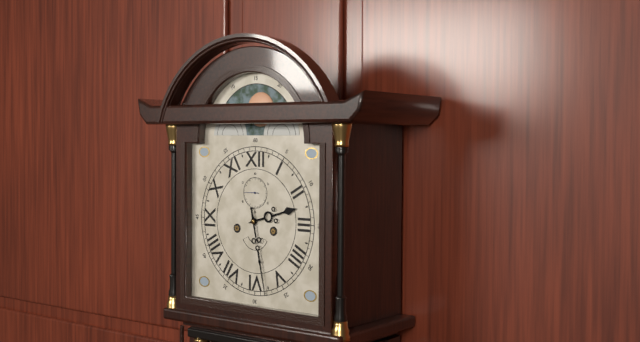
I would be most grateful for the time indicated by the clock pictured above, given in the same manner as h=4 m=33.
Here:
h=2 m=28
